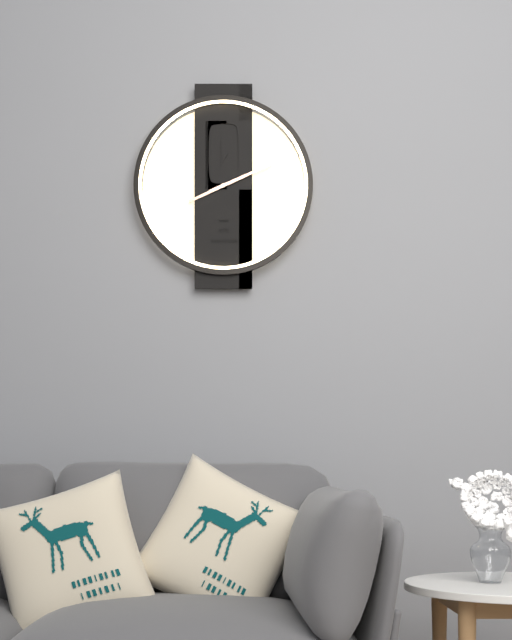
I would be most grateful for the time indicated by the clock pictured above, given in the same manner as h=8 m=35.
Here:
h=8 m=11
